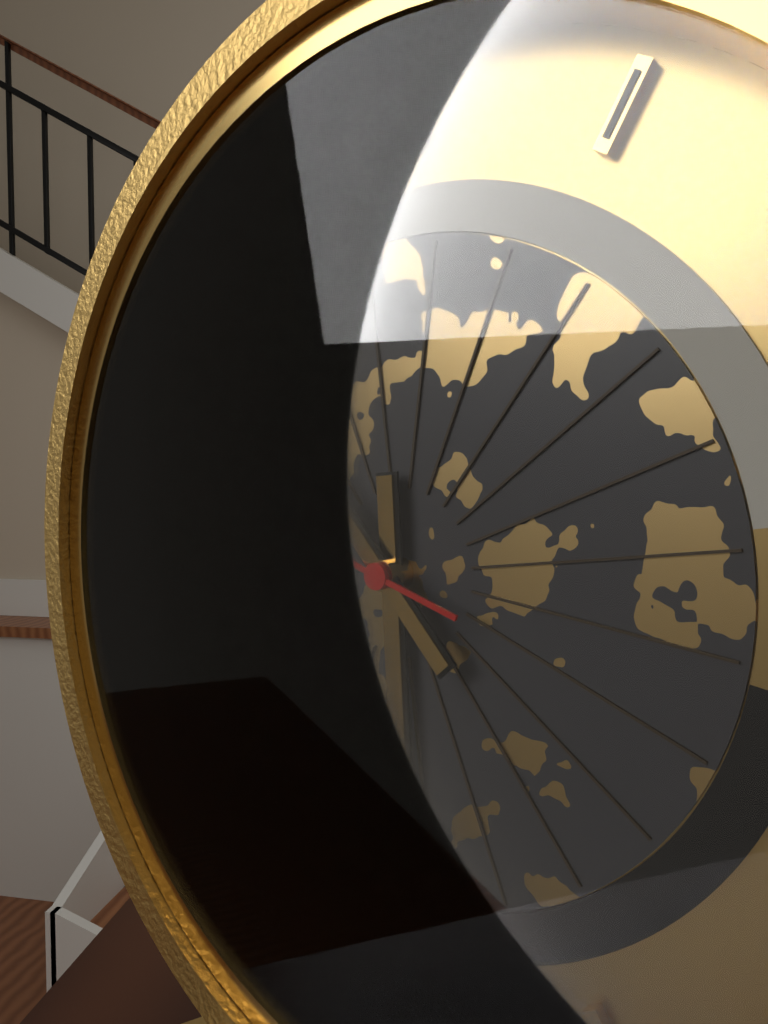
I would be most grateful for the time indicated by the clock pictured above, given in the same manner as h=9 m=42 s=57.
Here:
h=5 m=53 s=48
